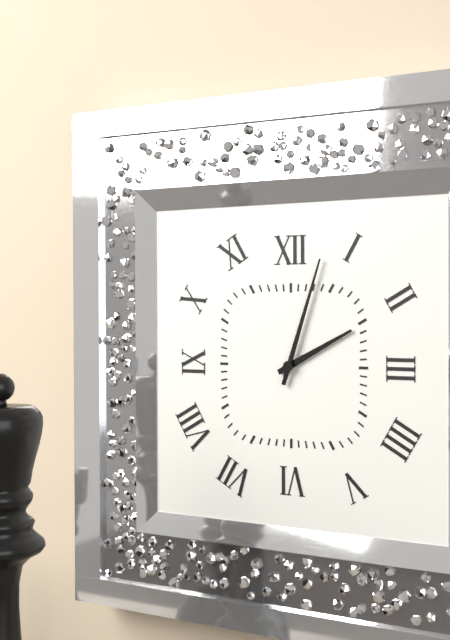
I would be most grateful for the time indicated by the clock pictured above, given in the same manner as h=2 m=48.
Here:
h=2 m=3
